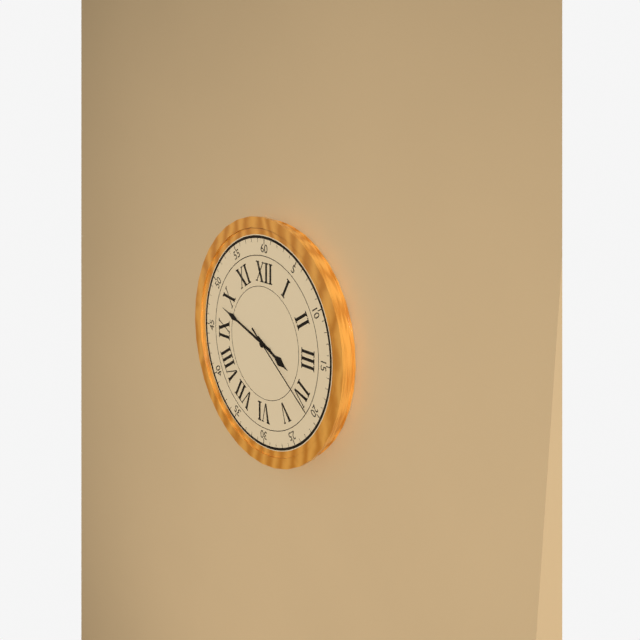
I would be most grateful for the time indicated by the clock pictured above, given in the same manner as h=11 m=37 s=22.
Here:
h=3 m=48 s=21
